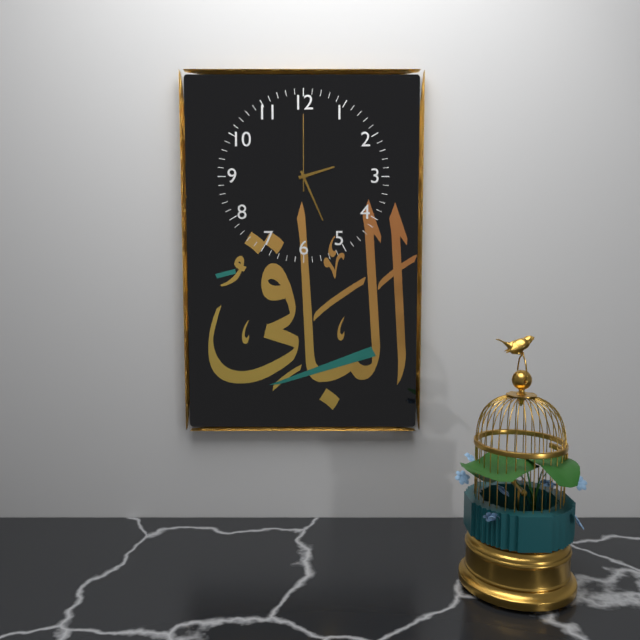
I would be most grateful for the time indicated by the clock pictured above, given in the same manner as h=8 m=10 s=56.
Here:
h=2 m=26 s=0
